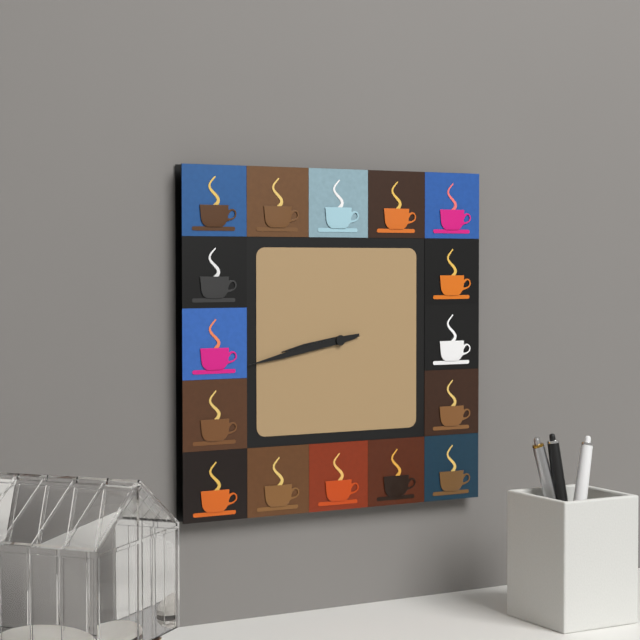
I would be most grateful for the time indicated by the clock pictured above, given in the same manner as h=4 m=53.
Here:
h=8 m=43
